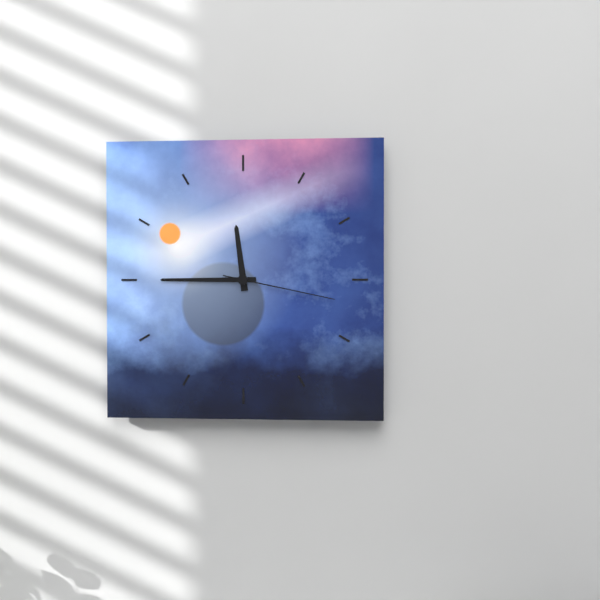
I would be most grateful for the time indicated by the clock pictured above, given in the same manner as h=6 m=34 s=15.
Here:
h=11 m=45 s=17
